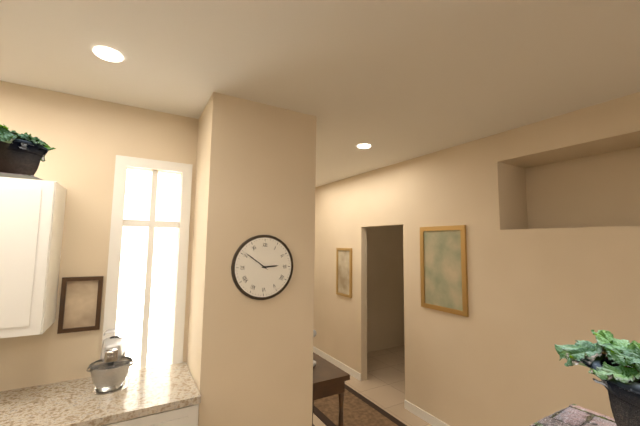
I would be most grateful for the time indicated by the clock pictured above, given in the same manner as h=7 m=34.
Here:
h=2 m=51
